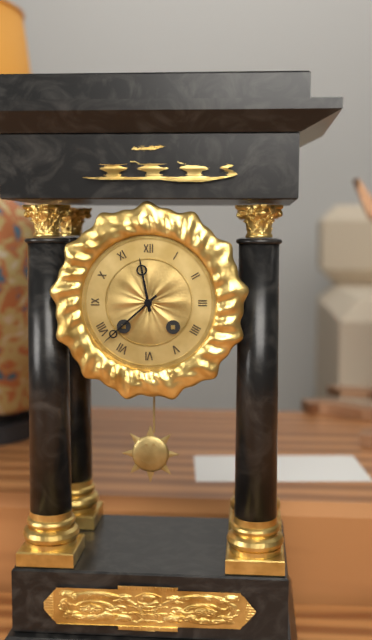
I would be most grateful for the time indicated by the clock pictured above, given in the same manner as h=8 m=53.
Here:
h=11 m=38
